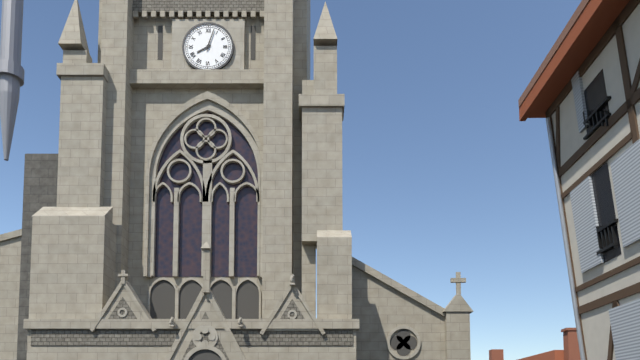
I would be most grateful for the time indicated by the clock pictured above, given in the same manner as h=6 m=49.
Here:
h=8 m=3
